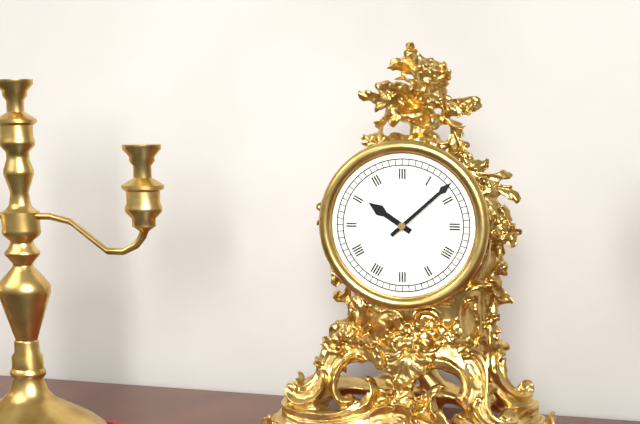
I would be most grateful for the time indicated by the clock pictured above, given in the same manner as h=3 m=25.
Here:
h=10 m=8
